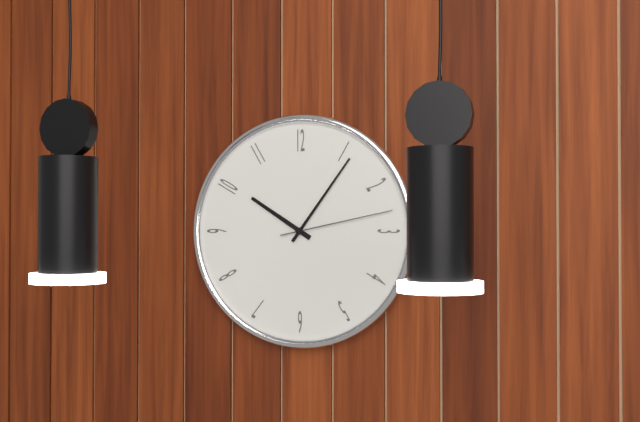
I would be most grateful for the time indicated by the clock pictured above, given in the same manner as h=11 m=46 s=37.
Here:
h=10 m=6 s=13
